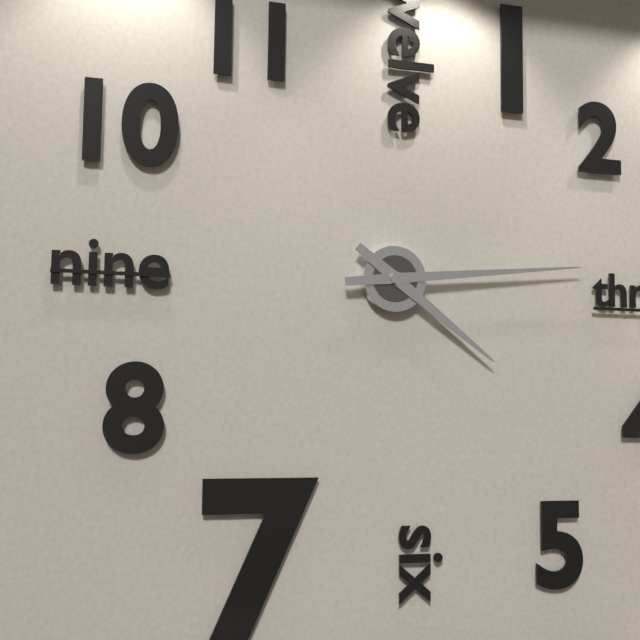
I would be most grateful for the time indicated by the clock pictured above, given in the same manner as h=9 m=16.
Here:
h=4 m=14
